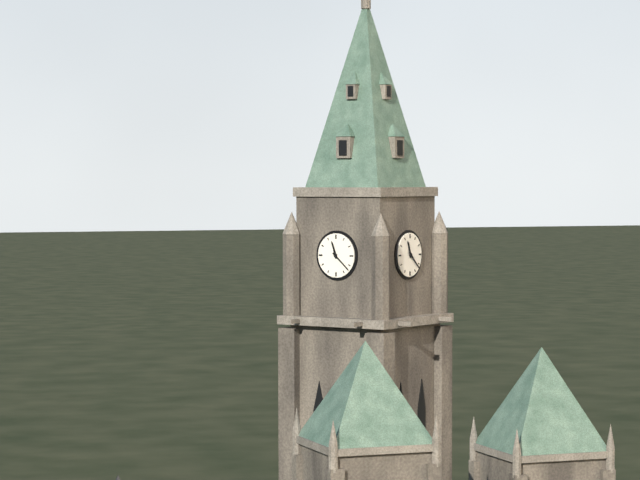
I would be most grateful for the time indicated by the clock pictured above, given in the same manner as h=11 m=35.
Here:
h=11 m=22
